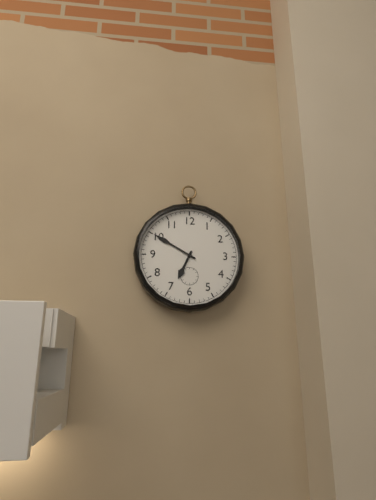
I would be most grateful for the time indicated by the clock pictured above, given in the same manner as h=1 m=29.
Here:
h=6 m=50
